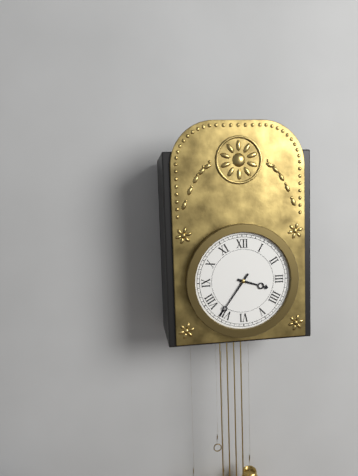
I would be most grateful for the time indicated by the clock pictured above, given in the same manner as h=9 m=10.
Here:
h=3 m=36
